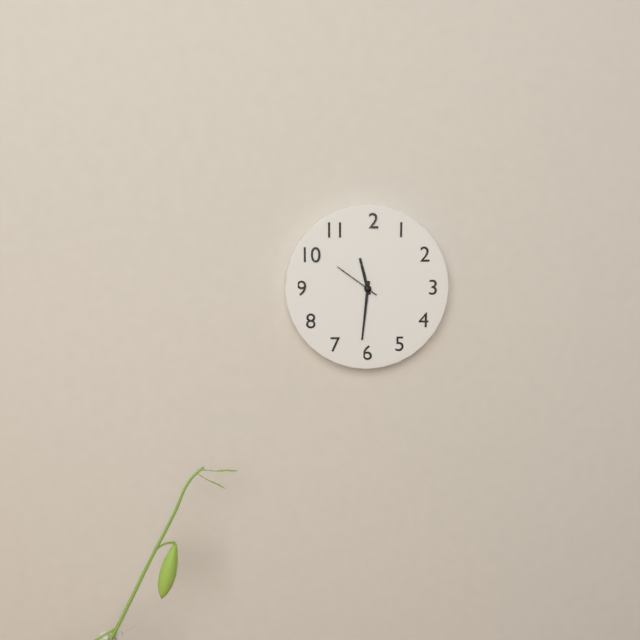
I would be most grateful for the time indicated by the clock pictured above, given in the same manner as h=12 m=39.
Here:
h=11 m=31
